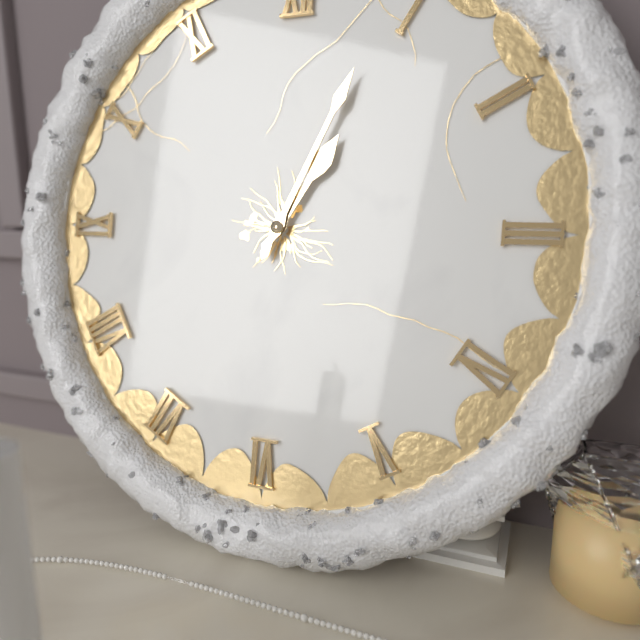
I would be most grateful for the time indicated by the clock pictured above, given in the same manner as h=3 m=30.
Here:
h=1 m=4
